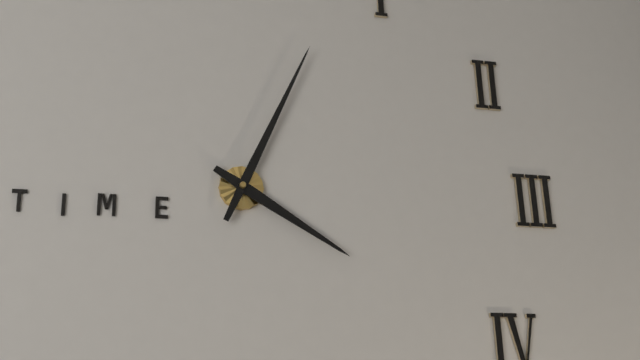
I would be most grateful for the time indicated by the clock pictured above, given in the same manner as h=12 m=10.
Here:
h=4 m=4
